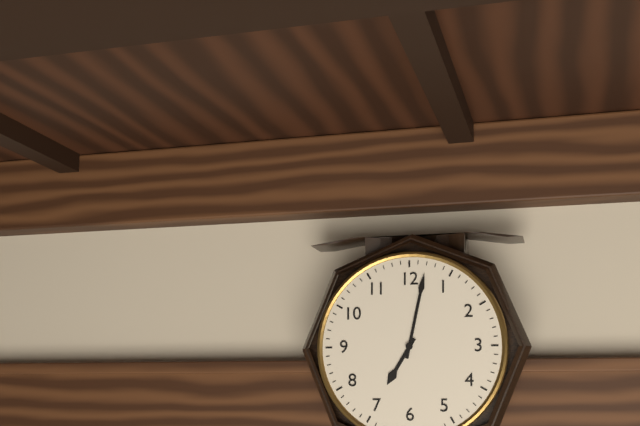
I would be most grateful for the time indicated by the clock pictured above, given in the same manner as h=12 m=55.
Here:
h=7 m=2
